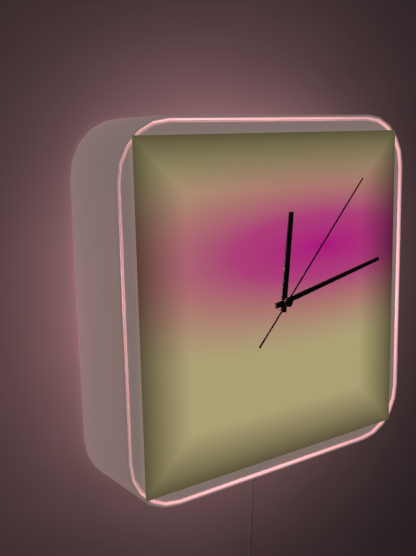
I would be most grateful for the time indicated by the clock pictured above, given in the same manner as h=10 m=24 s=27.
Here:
h=12 m=13 s=7
